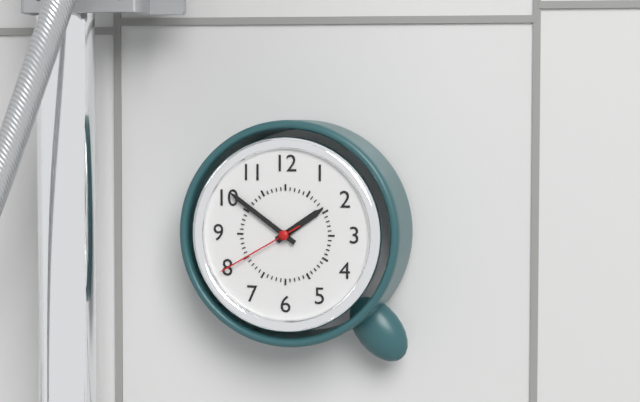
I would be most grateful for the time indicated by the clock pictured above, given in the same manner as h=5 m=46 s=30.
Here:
h=1 m=51 s=40
